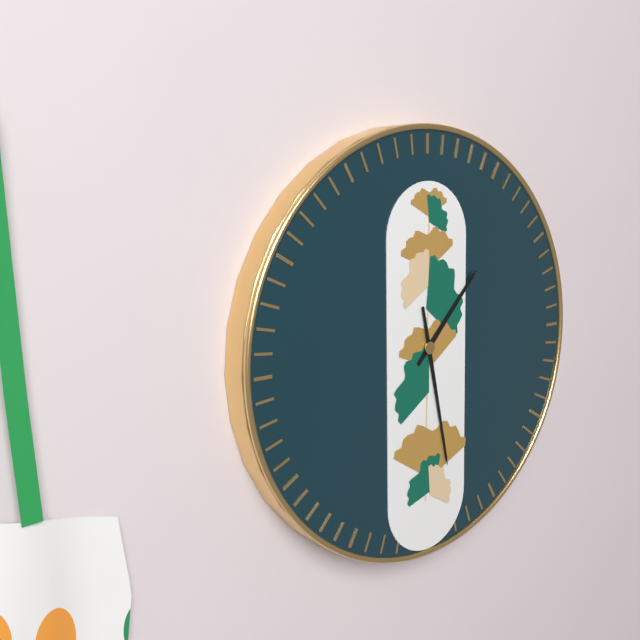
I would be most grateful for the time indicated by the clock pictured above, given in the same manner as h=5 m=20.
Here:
h=1 m=28
